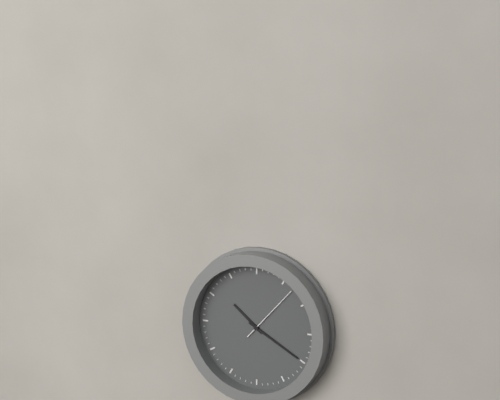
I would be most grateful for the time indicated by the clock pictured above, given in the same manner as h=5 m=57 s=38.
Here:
h=10 m=20 s=7
